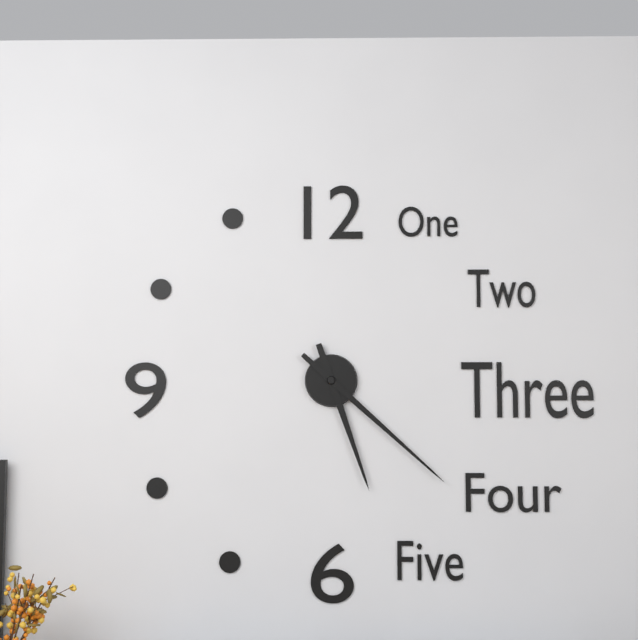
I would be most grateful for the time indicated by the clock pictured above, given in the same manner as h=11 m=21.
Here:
h=5 m=22
